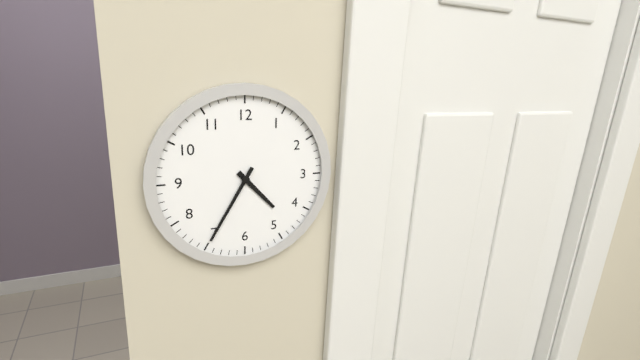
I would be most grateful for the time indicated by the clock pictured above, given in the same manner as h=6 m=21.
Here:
h=4 m=35
